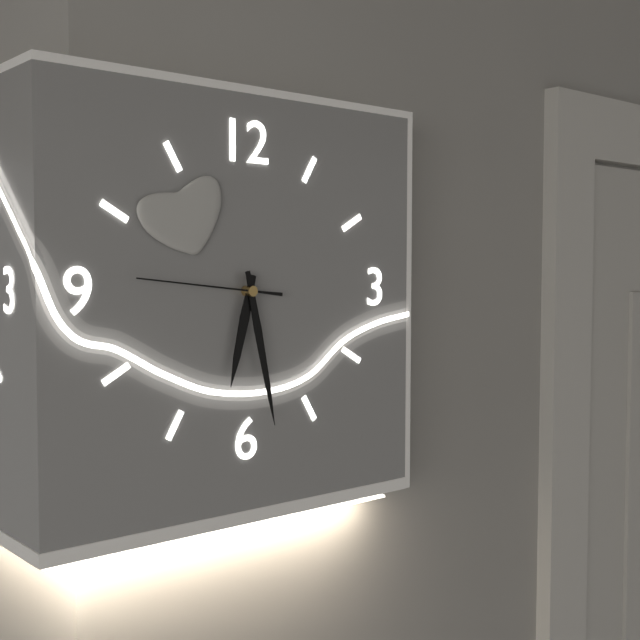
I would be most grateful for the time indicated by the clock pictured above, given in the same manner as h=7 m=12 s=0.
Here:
h=6 m=28 s=46
